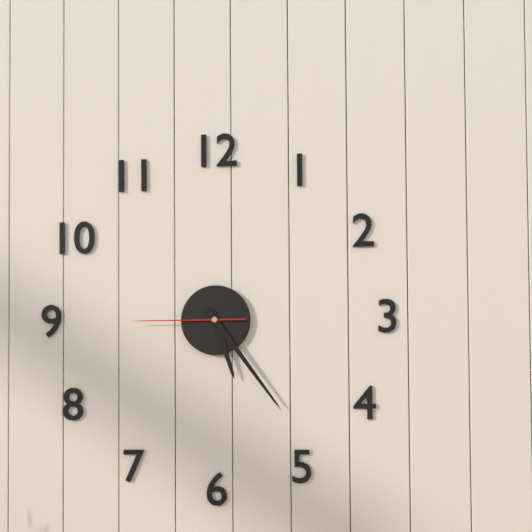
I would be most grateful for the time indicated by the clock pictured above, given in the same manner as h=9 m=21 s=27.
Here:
h=5 m=24 s=45
